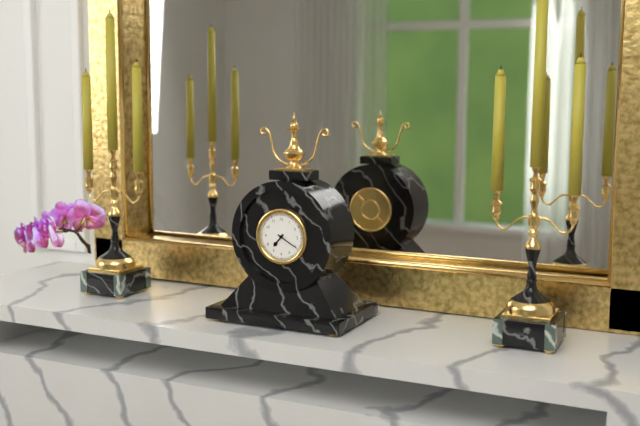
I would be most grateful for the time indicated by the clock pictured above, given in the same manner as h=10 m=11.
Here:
h=7 m=20
